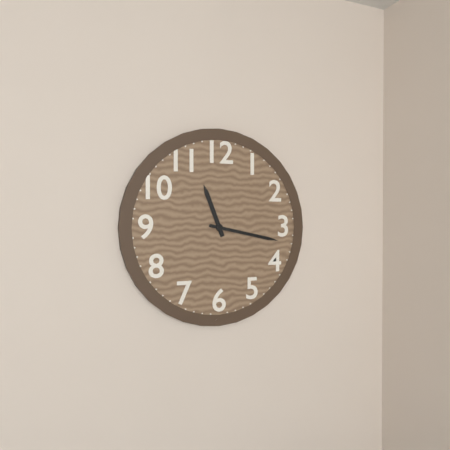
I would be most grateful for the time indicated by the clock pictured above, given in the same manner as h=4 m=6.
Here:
h=11 m=17
